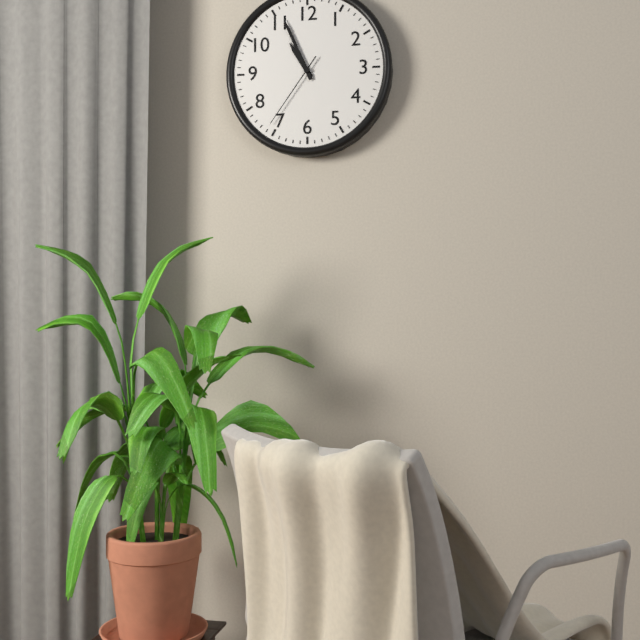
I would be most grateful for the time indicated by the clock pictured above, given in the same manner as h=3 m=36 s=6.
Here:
h=10 m=56 s=36
